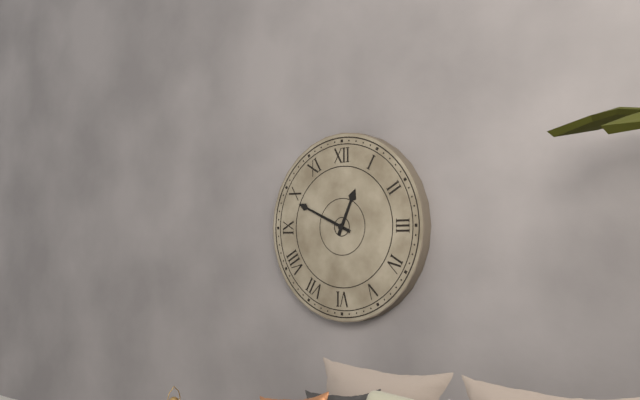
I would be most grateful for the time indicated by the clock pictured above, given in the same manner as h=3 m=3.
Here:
h=12 m=49
